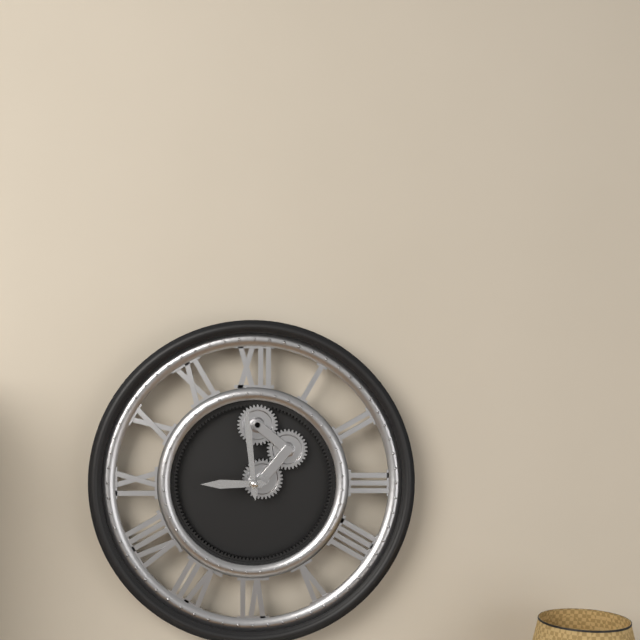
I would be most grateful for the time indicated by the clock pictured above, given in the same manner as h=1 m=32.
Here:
h=8 m=59
